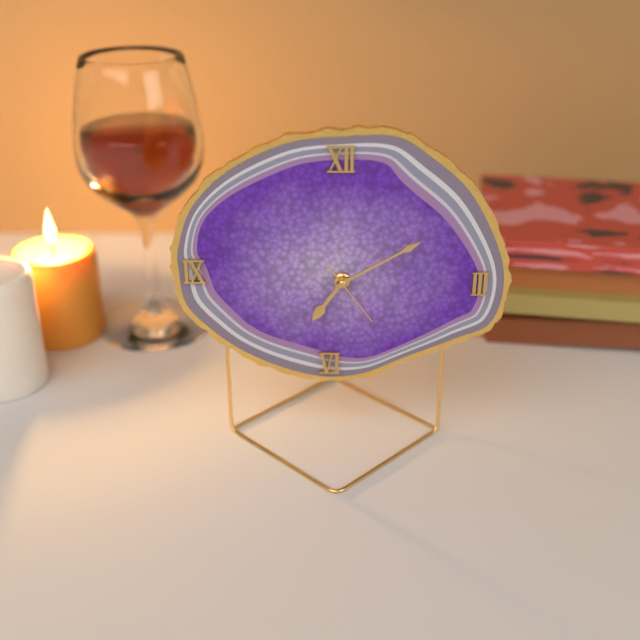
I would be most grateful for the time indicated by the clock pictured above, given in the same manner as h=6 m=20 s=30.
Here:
h=7 m=10 s=24
